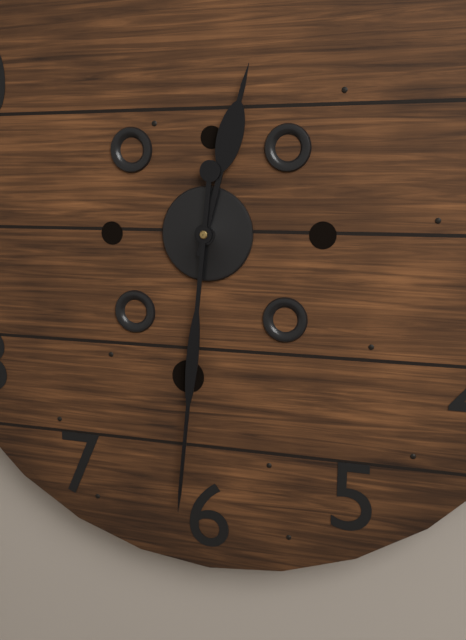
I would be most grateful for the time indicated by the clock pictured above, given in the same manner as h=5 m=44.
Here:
h=12 m=31
